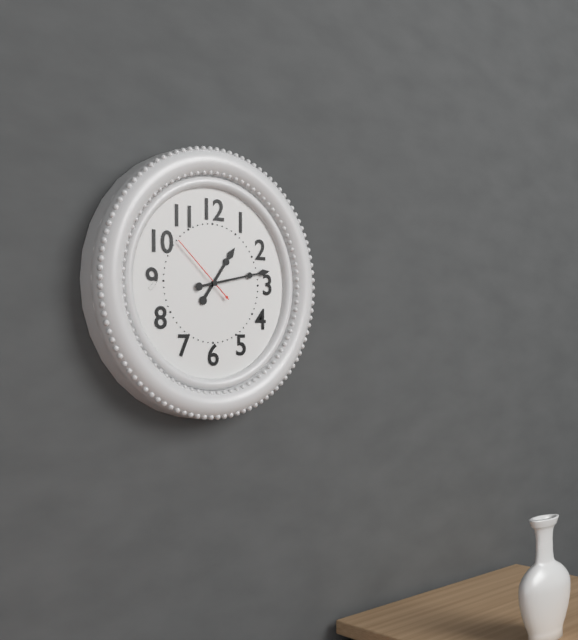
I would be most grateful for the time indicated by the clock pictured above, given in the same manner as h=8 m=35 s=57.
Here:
h=1 m=13 s=52
